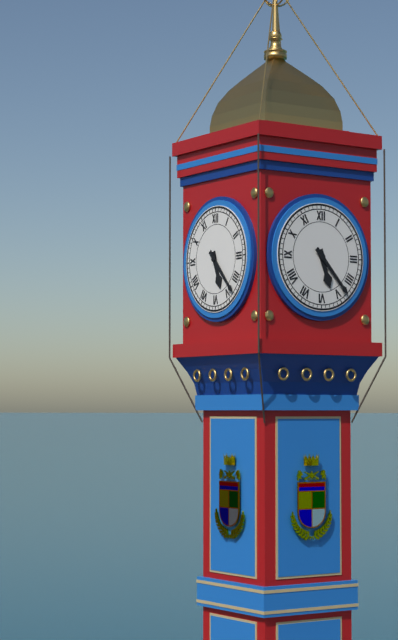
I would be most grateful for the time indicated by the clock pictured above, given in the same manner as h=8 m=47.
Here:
h=5 m=23
